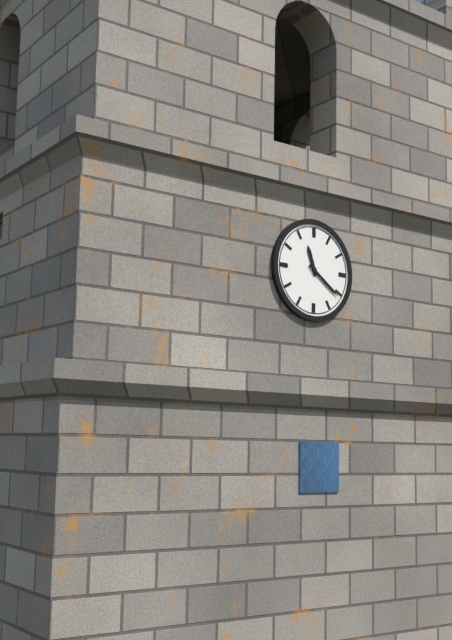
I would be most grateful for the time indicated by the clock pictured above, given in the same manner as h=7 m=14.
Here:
h=11 m=21
